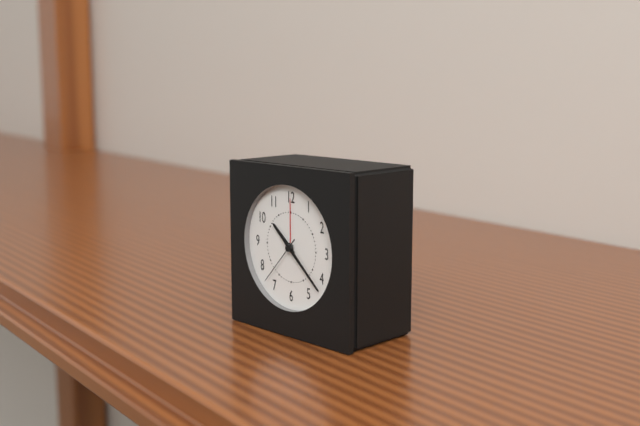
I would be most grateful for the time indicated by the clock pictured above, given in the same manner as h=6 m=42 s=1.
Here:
h=10 m=22 s=37
